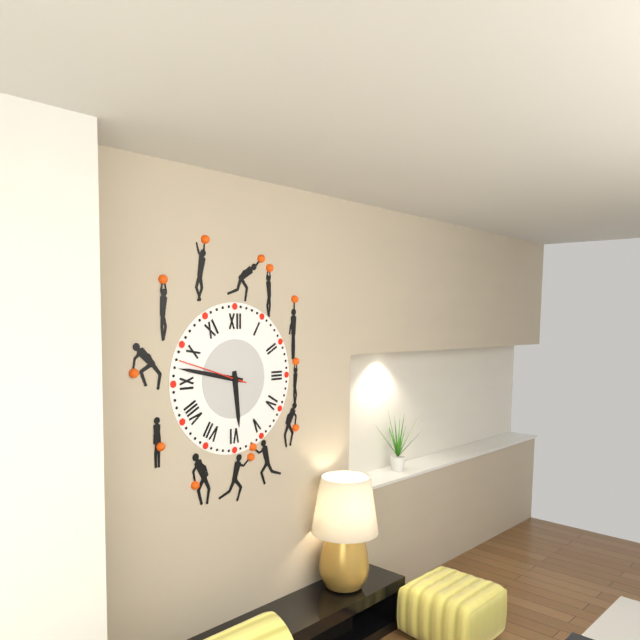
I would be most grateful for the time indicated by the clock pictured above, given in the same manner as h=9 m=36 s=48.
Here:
h=5 m=47 s=48
